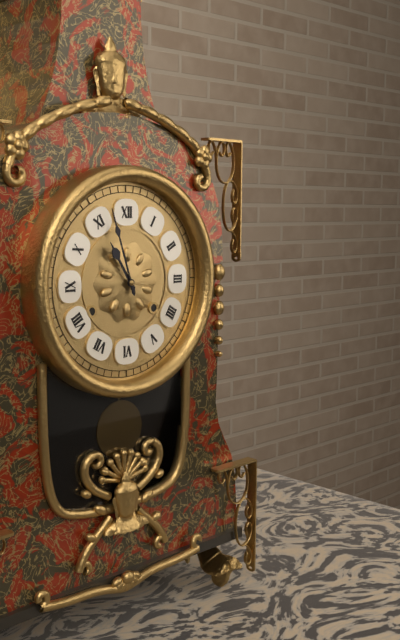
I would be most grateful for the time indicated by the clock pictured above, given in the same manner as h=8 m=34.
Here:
h=10 m=57
